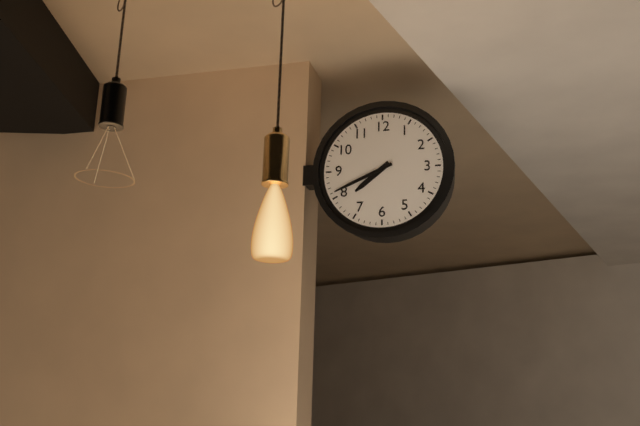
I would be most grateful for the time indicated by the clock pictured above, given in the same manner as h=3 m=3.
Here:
h=7 m=41
